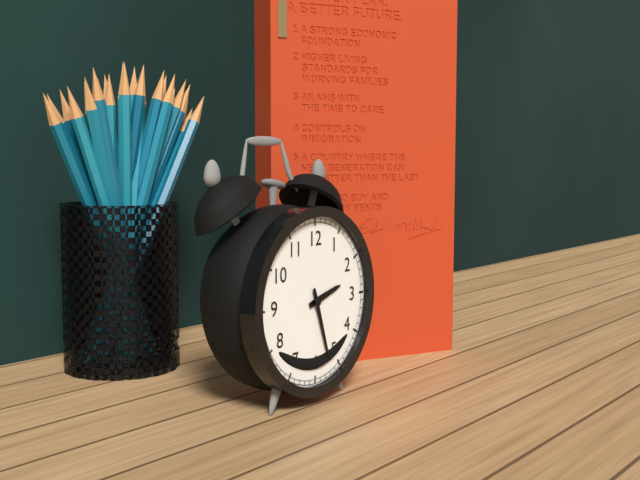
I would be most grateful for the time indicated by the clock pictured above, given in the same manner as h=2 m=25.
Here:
h=2 m=27
